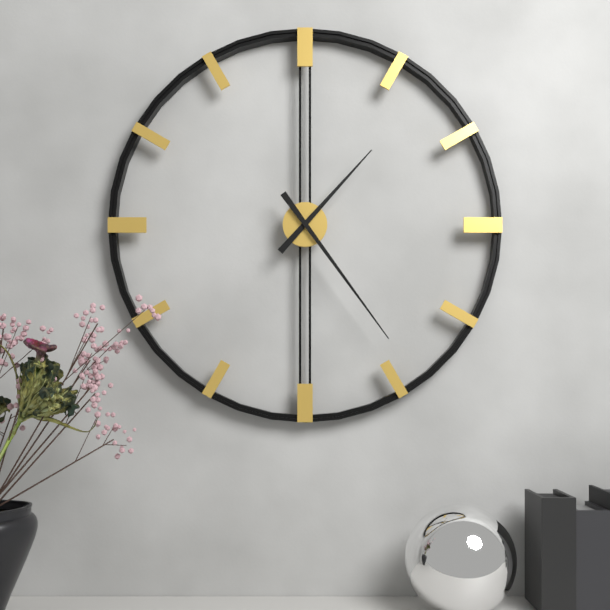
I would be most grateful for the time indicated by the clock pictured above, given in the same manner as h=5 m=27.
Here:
h=1 m=24
